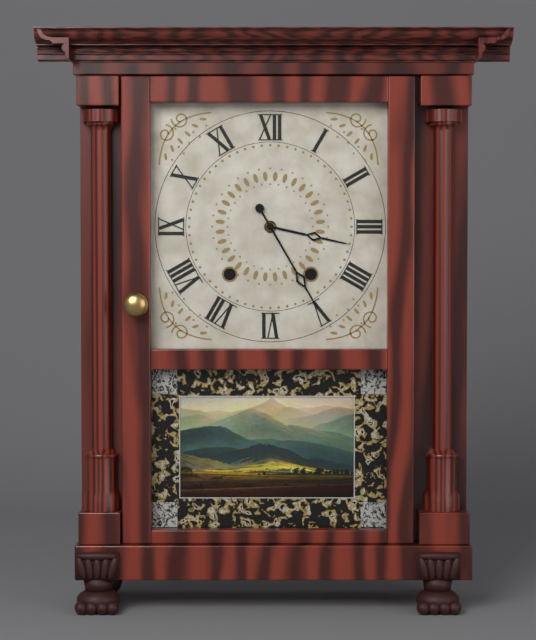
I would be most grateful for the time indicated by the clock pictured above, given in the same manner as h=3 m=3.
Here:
h=3 m=25
